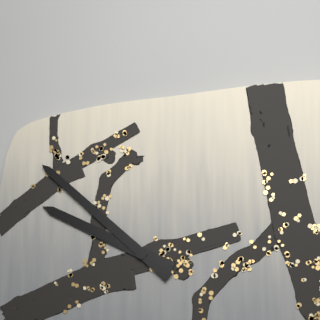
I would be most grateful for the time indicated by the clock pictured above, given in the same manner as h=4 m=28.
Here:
h=9 m=52
